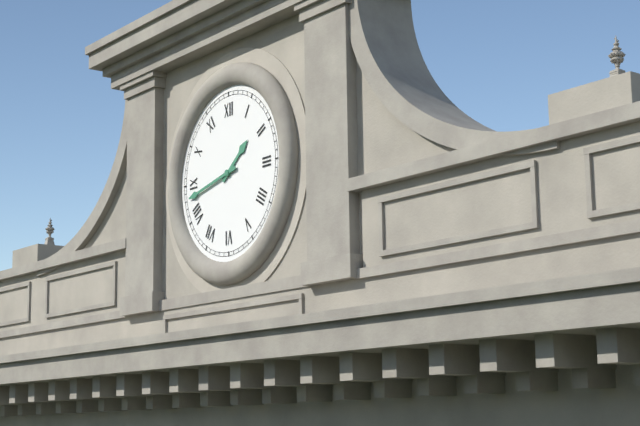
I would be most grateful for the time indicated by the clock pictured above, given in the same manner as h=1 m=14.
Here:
h=1 m=43
